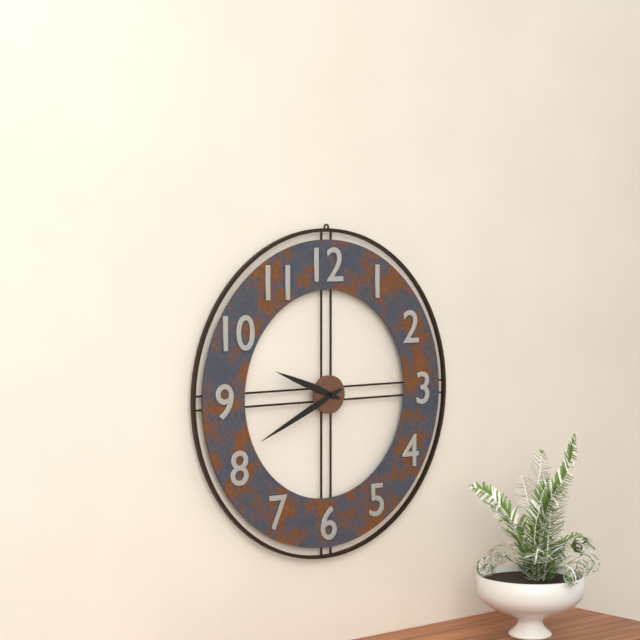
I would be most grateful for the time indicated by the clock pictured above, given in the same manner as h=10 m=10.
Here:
h=9 m=41
